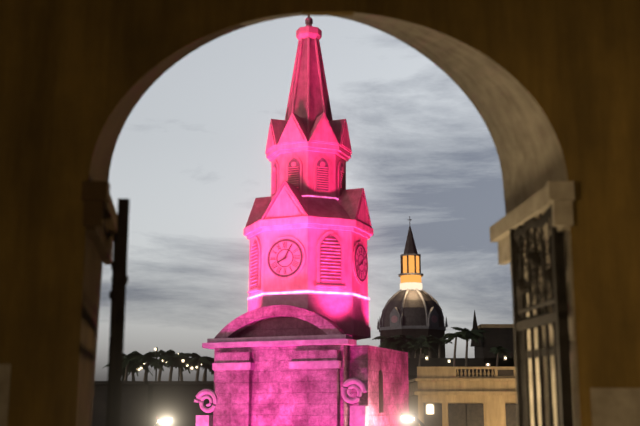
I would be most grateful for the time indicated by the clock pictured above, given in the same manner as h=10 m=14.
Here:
h=8 m=5
